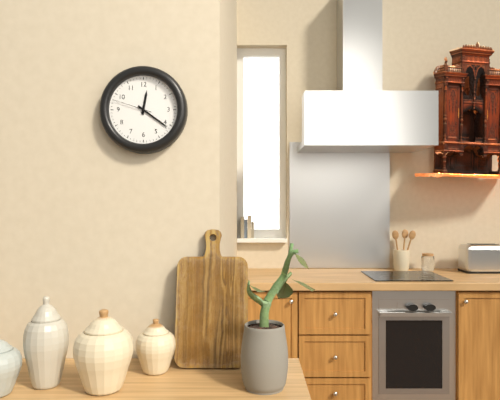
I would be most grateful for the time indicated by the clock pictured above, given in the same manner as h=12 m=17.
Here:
h=12 m=21
